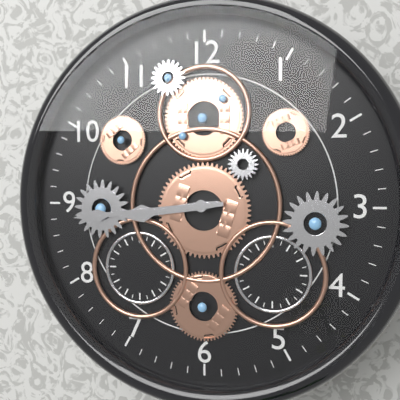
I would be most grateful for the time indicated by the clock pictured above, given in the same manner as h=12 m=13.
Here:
h=8 m=44
